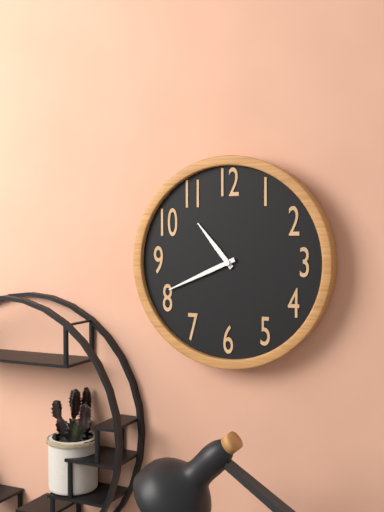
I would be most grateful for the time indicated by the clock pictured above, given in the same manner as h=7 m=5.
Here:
h=10 m=41
